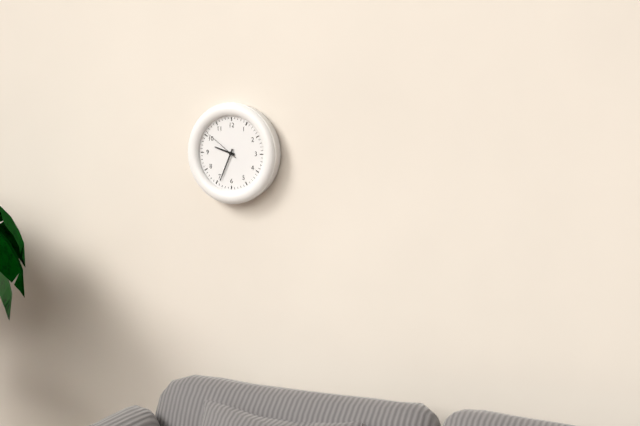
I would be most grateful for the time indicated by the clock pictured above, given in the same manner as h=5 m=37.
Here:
h=9 m=34
